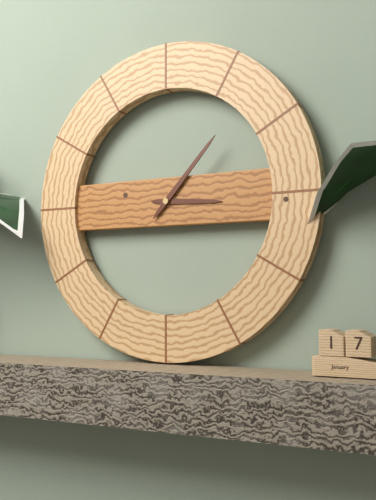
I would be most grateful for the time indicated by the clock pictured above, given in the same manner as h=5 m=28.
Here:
h=3 m=7
